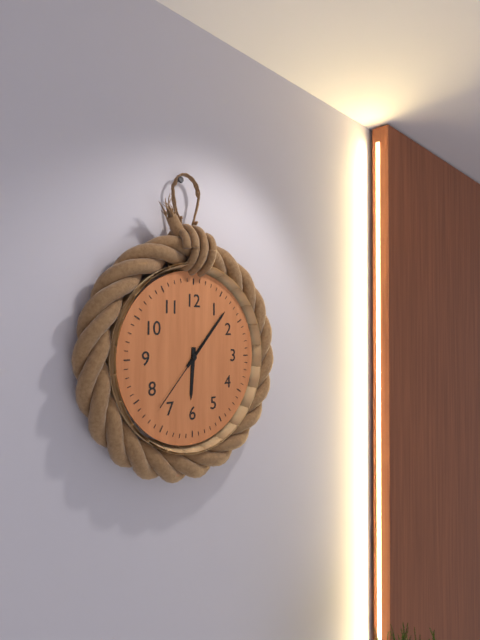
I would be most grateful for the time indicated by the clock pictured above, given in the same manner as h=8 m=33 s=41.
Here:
h=6 m=7 s=37
